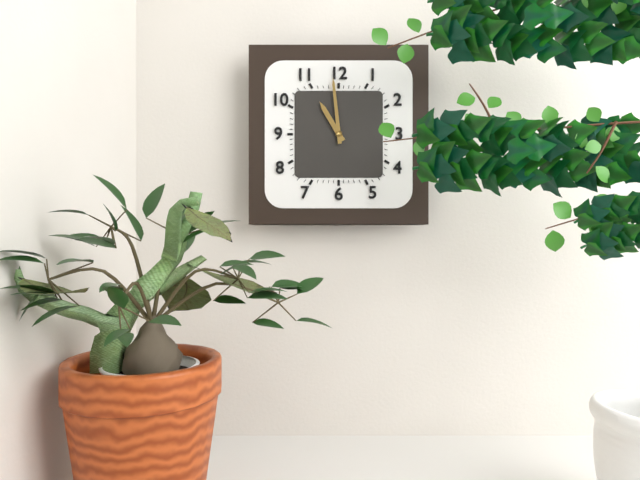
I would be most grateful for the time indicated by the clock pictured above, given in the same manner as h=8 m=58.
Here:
h=10 m=59
